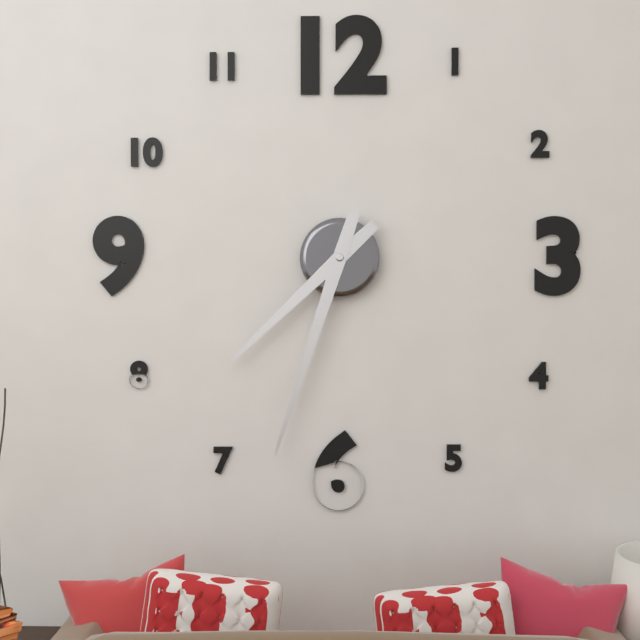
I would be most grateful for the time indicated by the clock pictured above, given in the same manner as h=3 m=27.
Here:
h=7 m=33
